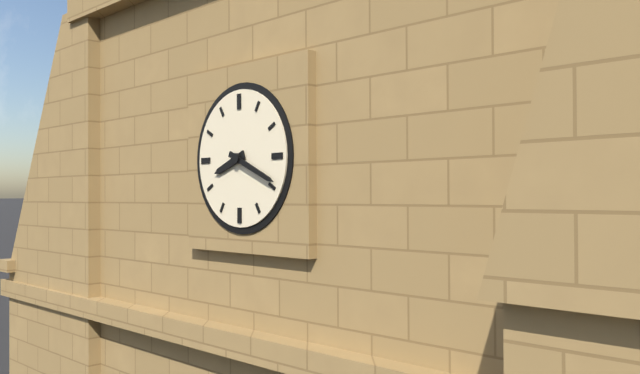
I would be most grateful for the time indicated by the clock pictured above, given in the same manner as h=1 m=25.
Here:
h=8 m=19
